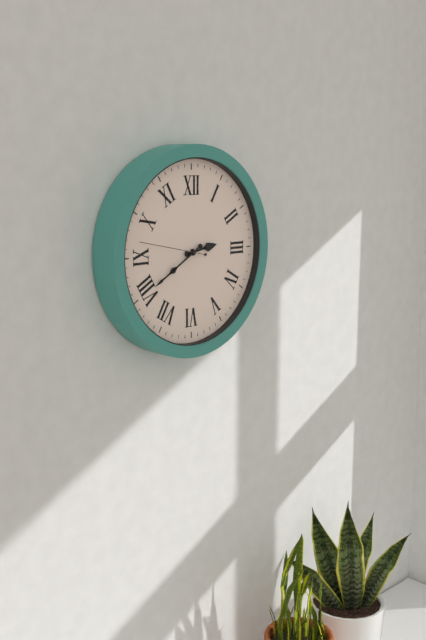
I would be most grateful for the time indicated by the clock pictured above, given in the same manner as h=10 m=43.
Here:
h=2 m=40
